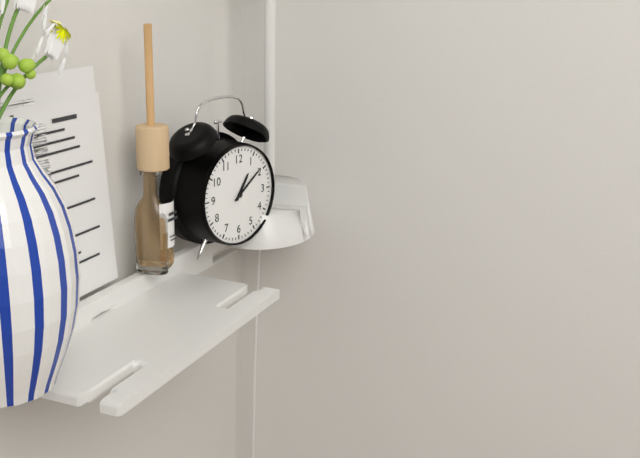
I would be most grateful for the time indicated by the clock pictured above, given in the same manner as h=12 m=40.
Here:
h=1 m=9
